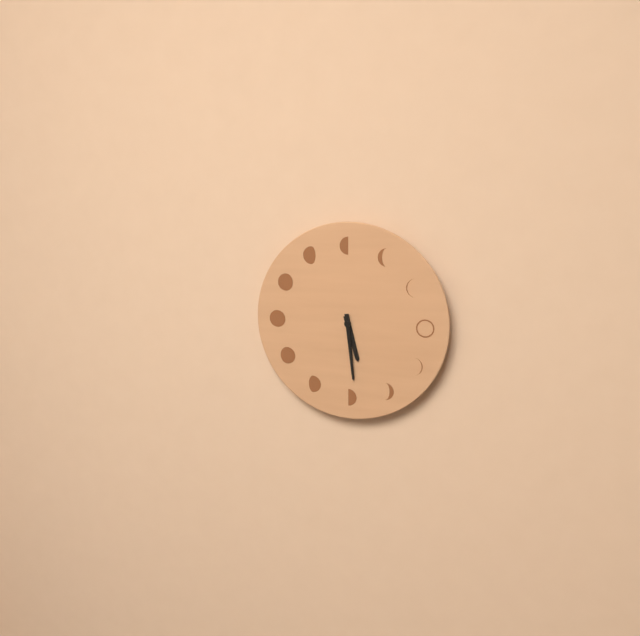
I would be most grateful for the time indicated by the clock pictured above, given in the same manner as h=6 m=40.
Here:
h=5 m=29
